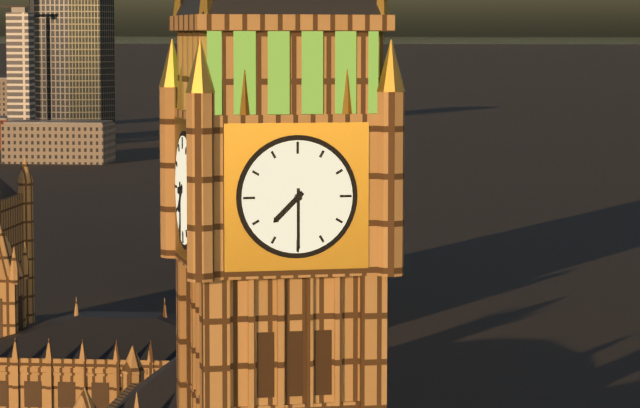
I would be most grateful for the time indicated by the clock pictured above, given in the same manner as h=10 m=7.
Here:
h=7 m=30
